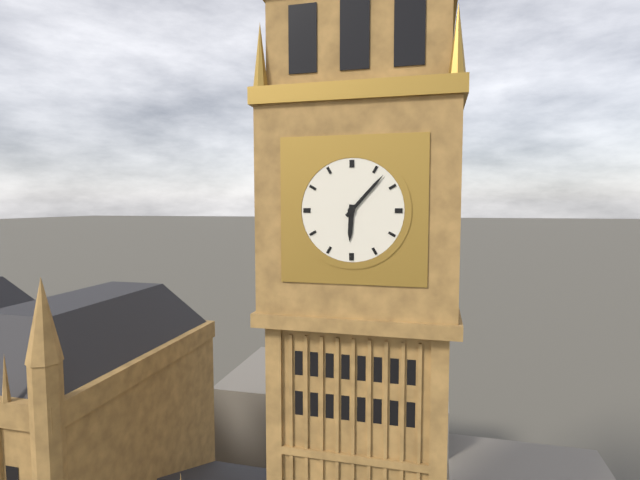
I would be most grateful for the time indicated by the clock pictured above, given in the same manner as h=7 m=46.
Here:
h=6 m=7
